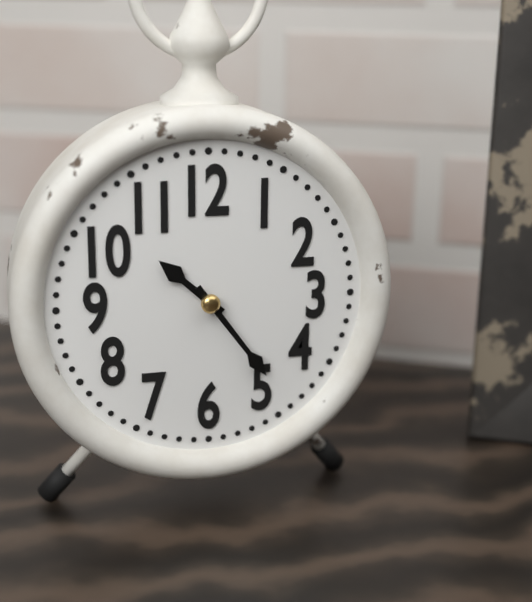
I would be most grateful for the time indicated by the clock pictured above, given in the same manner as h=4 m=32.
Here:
h=10 m=24
